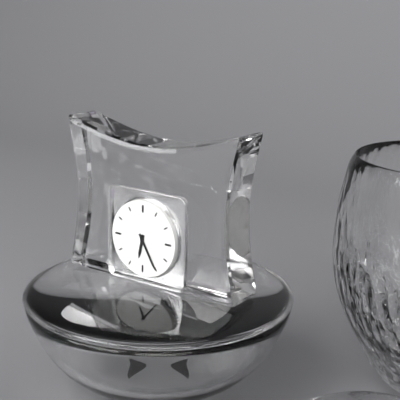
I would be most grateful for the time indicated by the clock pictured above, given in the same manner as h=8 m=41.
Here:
h=6 m=25
